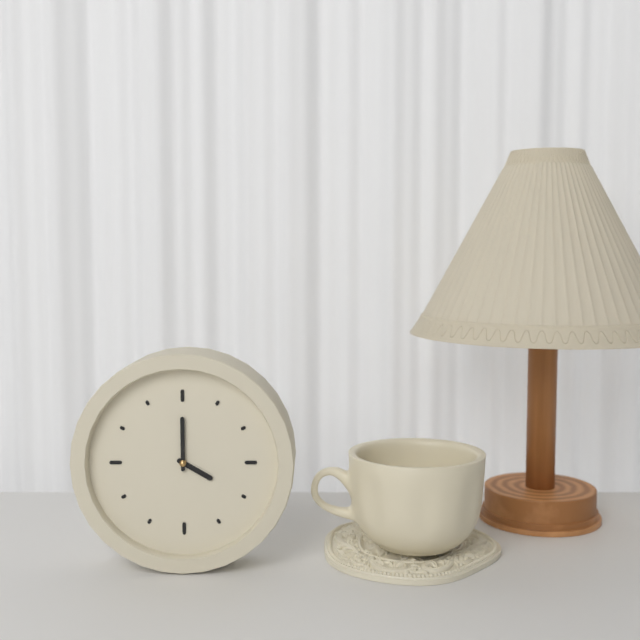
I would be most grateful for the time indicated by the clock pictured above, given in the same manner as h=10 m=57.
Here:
h=4 m=0
